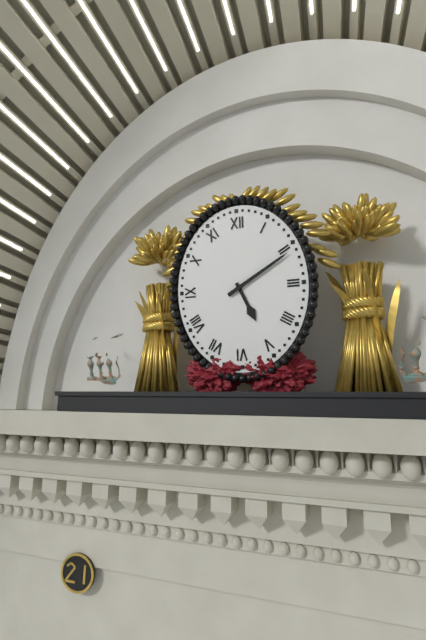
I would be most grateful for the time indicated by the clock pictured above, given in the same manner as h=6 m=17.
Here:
h=5 m=10
